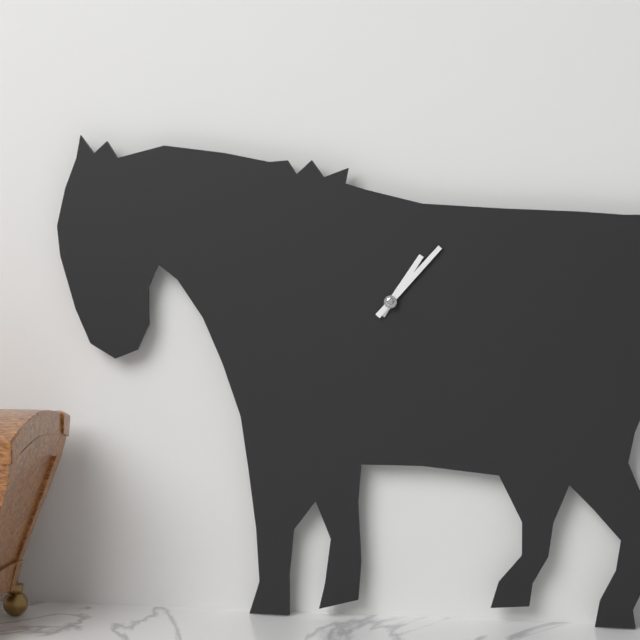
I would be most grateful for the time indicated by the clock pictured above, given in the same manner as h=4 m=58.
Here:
h=1 m=7
